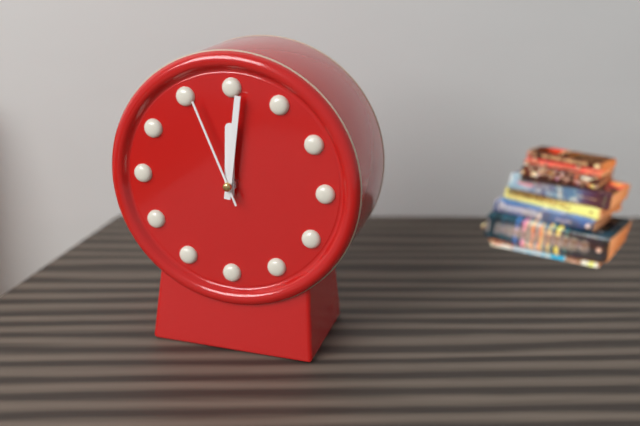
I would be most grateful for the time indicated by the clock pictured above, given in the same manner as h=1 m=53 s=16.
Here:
h=12 m=1 s=56
